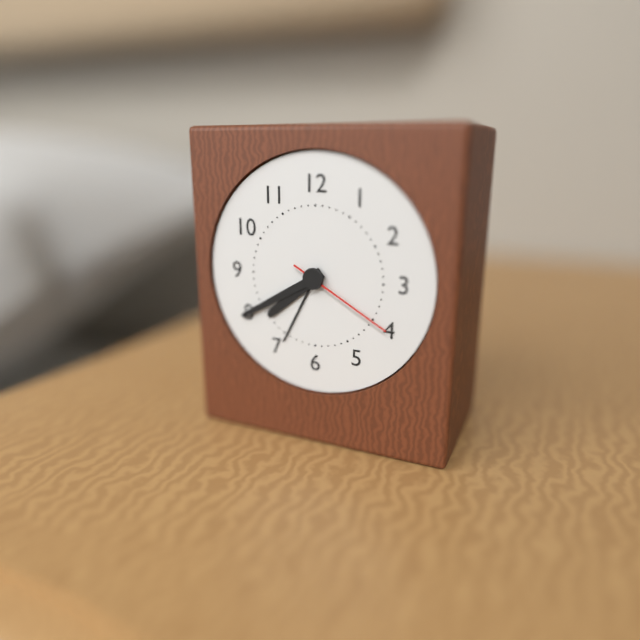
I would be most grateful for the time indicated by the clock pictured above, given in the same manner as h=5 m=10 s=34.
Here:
h=7 m=40 s=20
